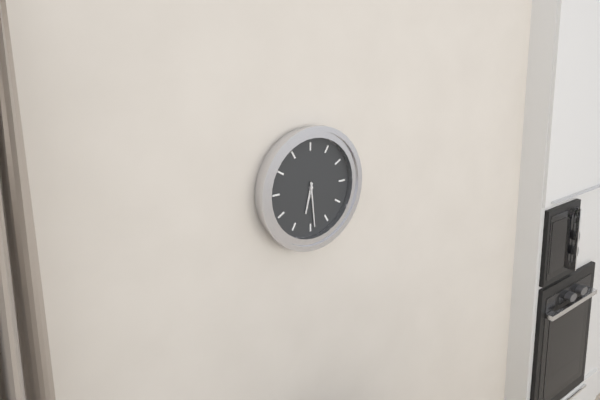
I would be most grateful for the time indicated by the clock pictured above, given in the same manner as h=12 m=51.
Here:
h=6 m=29
